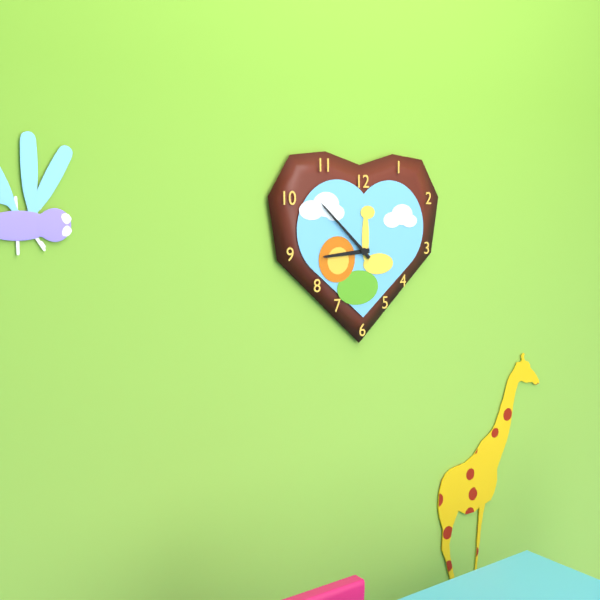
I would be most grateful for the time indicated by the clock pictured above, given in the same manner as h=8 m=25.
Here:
h=8 m=52
